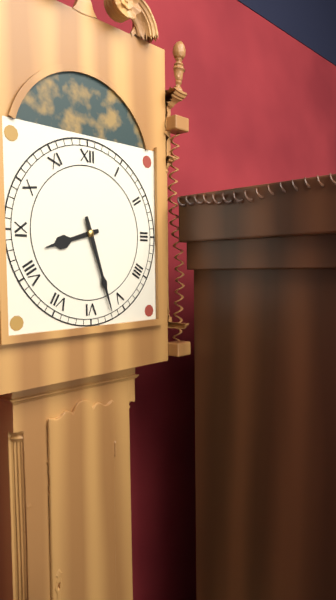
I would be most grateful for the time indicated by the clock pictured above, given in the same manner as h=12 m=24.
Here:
h=8 m=27
